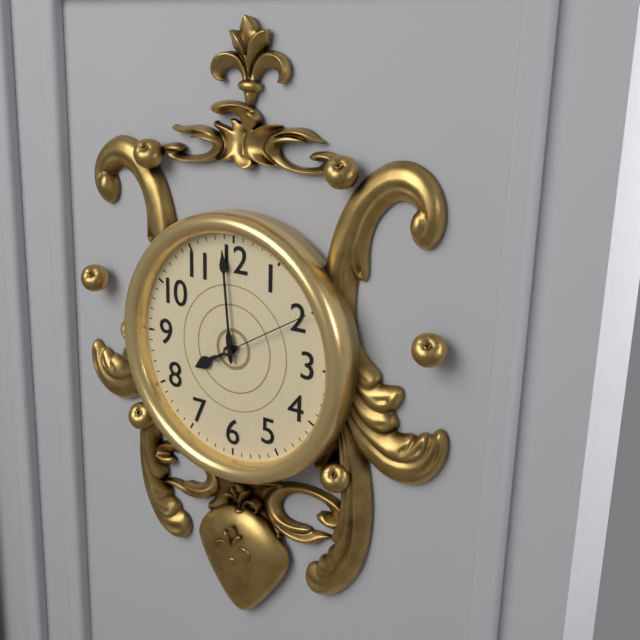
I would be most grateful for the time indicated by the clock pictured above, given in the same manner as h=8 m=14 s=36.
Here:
h=7 m=59 s=10
